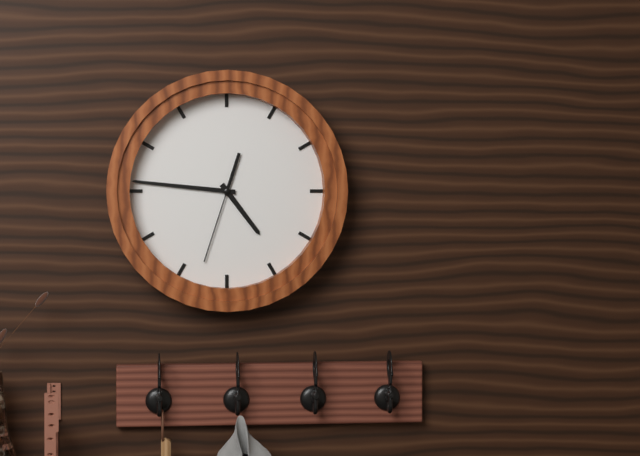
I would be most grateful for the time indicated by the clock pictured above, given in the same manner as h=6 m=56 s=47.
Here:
h=4 m=46 s=33
